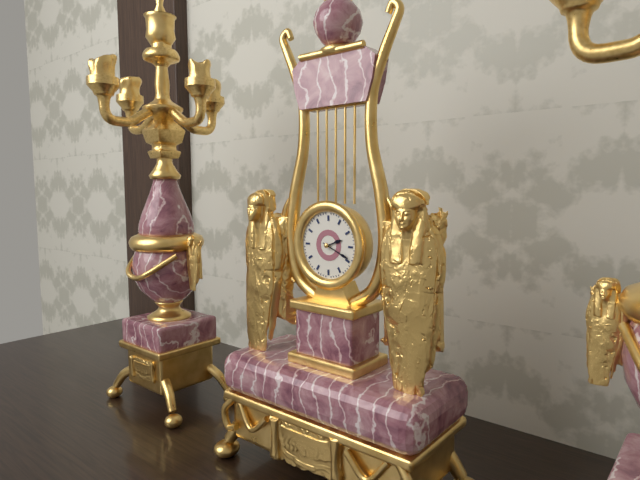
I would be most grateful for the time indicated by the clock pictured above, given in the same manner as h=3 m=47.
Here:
h=2 m=19
